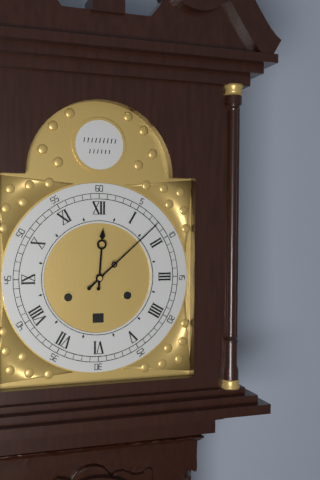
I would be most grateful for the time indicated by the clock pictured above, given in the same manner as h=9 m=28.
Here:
h=12 m=8
